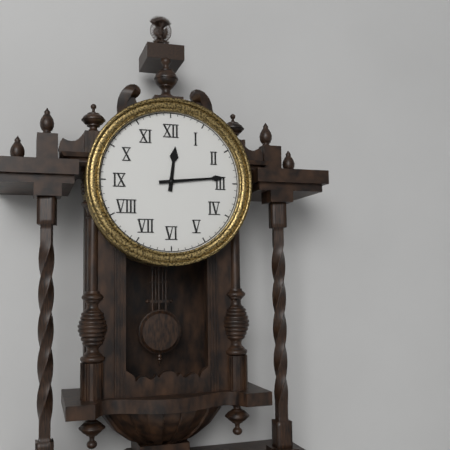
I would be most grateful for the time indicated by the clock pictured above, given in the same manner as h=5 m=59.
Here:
h=12 m=14
